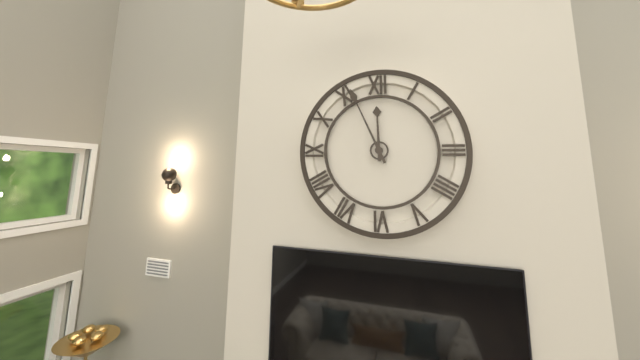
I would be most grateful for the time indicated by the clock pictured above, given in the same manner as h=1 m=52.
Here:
h=11 m=56
